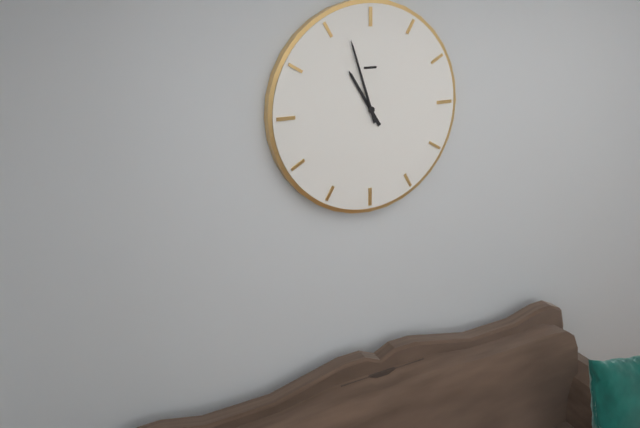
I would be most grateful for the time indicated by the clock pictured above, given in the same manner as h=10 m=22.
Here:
h=10 m=57
